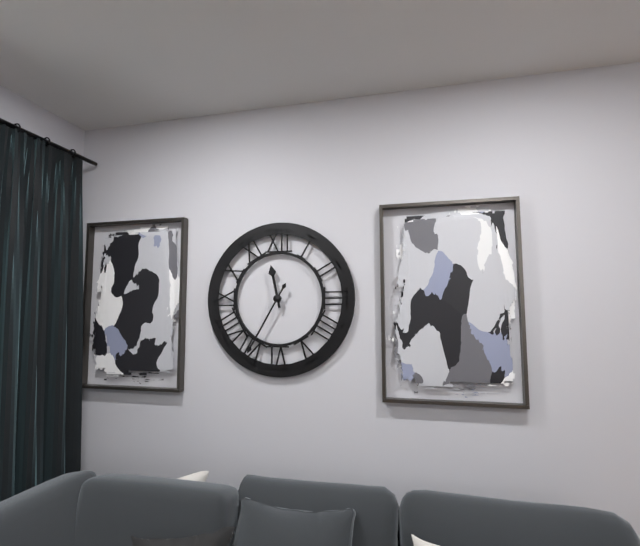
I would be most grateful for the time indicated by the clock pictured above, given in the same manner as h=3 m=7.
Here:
h=11 m=35
